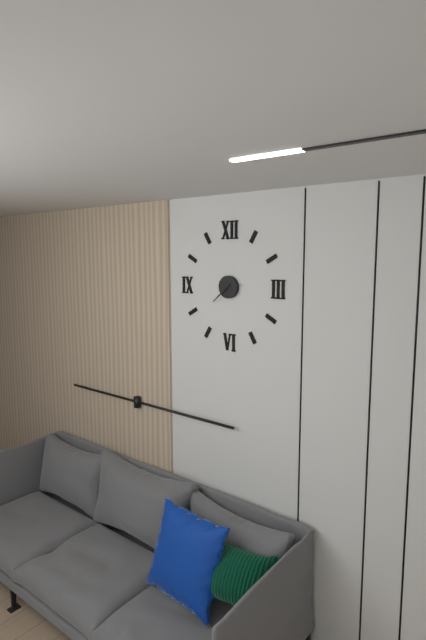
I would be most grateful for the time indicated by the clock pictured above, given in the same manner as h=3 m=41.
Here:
h=2 m=38
